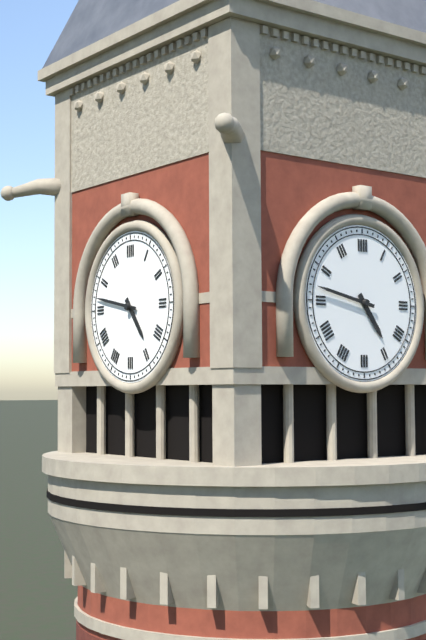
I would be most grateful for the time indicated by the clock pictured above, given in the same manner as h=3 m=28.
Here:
h=4 m=47
